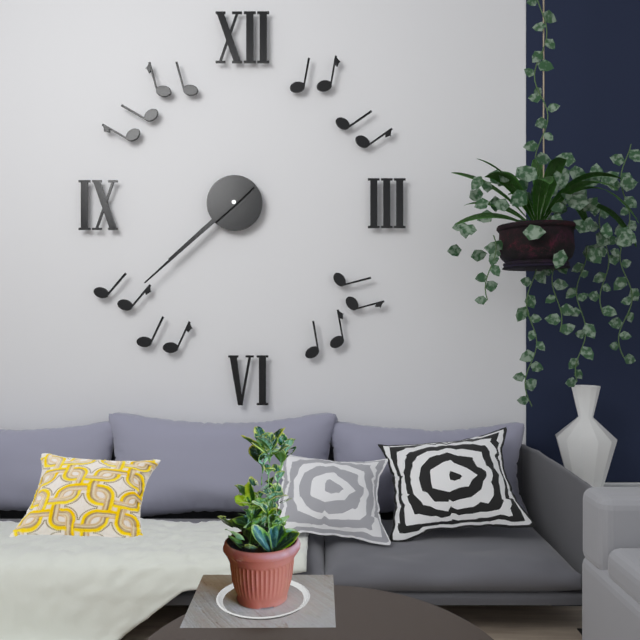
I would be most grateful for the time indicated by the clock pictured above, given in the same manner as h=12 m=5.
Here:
h=7 m=38
